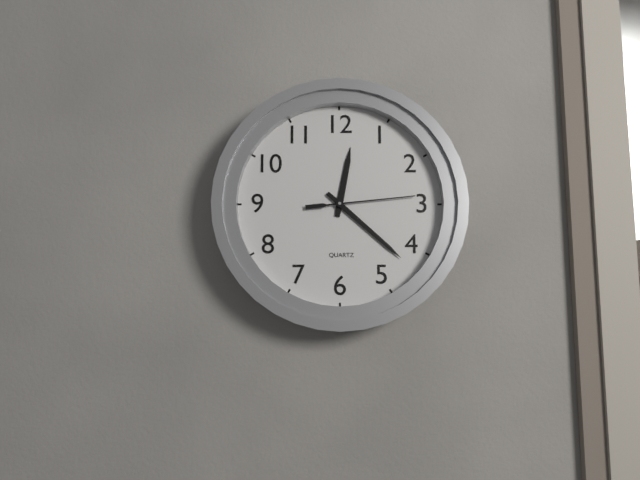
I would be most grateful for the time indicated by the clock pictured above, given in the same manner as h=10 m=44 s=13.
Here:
h=12 m=22 s=14
